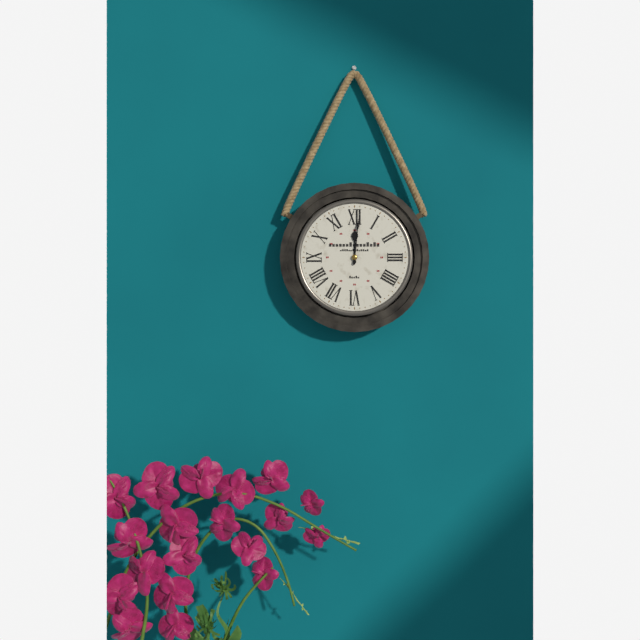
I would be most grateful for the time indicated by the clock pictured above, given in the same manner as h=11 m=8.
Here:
h=12 m=1
